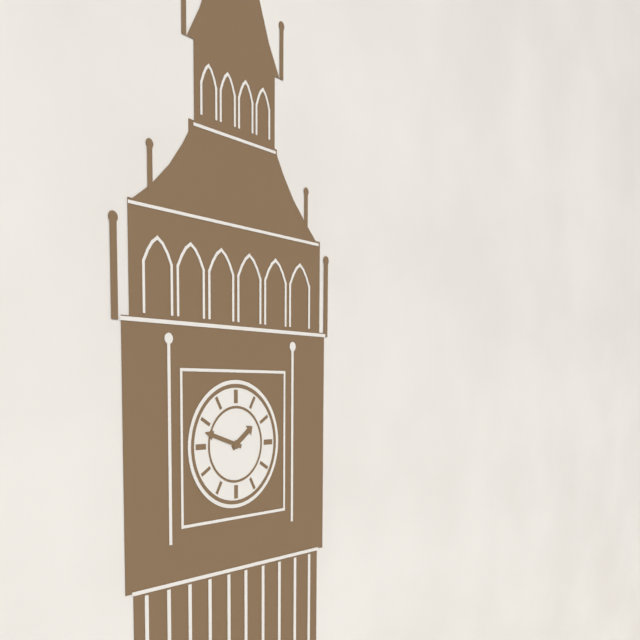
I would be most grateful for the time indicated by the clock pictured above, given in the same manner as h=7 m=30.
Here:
h=1 m=48
